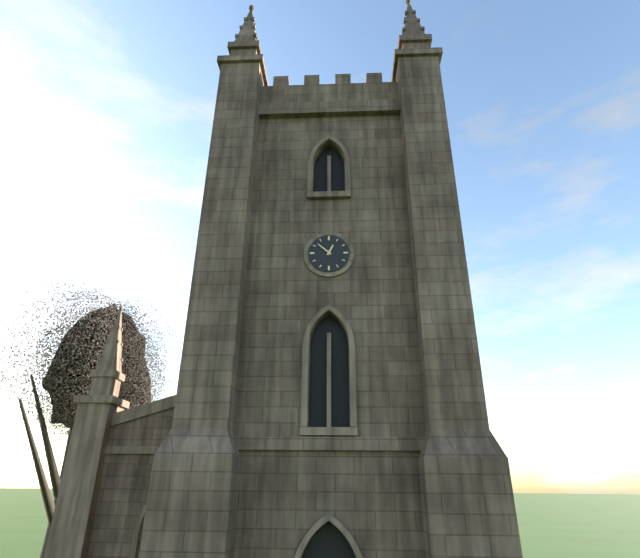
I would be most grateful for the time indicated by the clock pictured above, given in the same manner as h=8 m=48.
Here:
h=12 m=52
